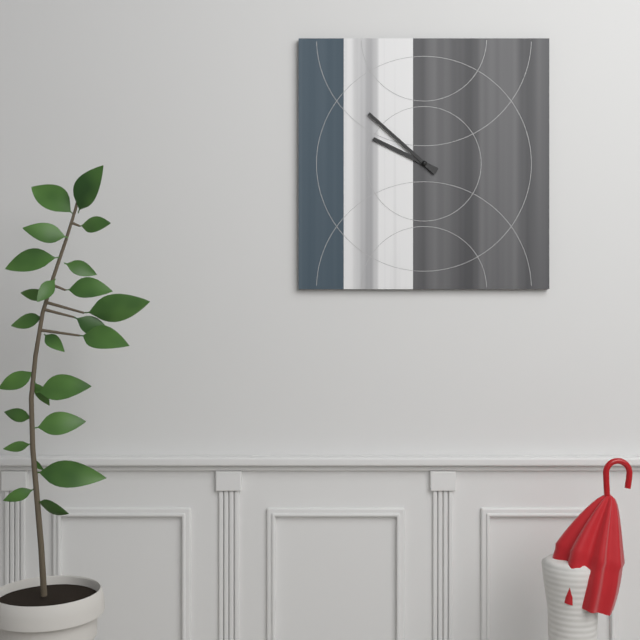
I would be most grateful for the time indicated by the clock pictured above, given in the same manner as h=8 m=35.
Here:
h=9 m=52
